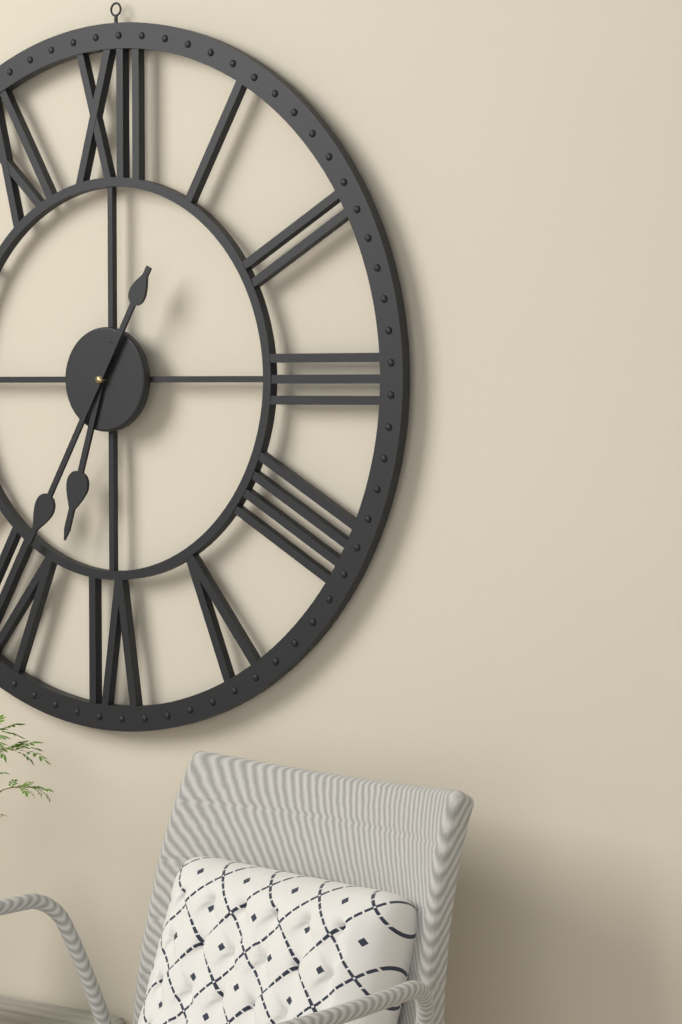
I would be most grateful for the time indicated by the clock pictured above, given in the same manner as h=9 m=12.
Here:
h=6 m=35
